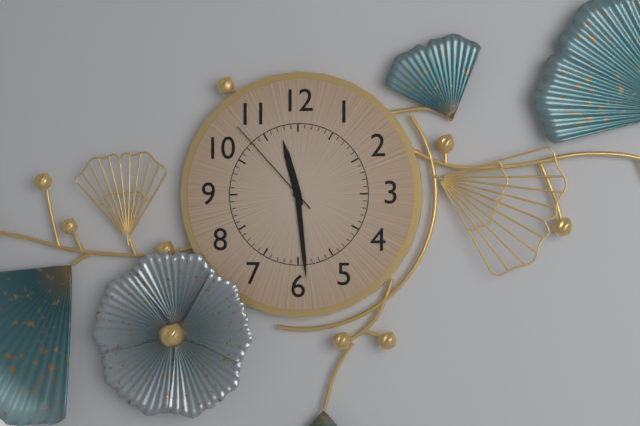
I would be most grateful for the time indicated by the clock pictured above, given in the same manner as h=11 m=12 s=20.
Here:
h=11 m=29 s=53
